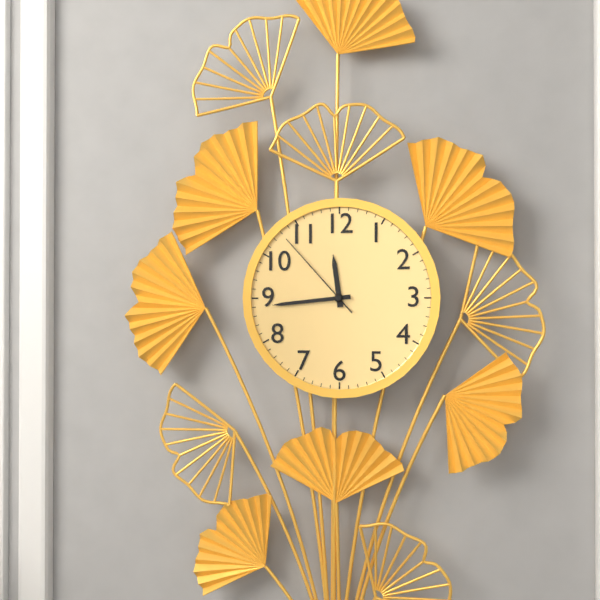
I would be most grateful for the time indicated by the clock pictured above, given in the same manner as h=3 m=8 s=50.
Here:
h=11 m=44 s=53
